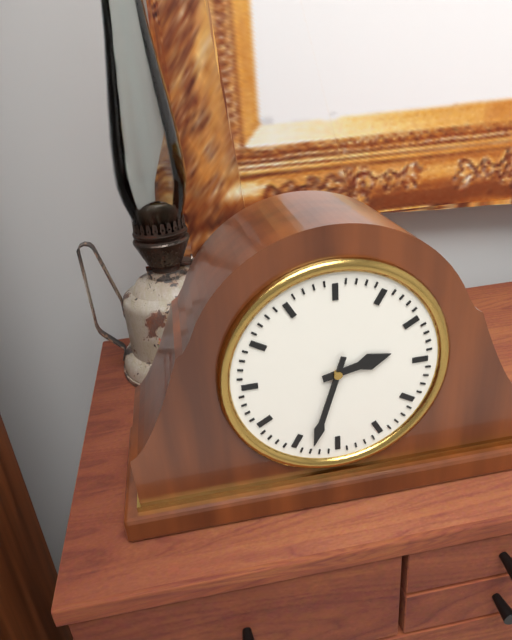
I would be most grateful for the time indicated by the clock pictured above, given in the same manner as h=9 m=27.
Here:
h=2 m=33
